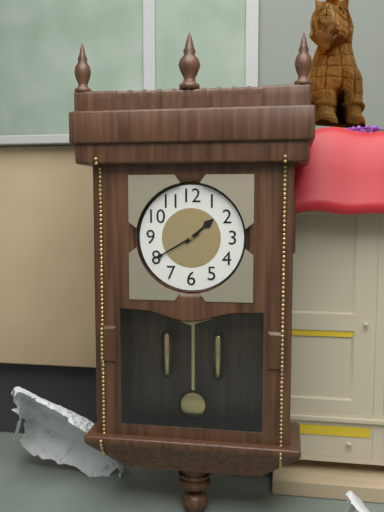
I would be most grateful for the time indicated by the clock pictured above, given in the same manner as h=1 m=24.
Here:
h=1 m=40
